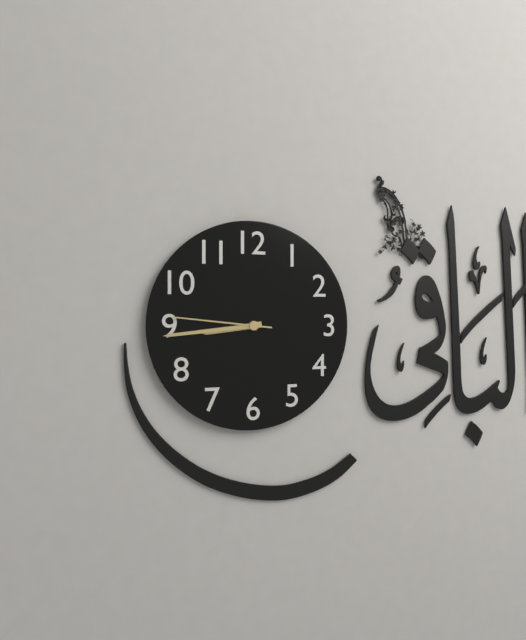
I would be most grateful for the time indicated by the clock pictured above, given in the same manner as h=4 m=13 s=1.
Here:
h=8 m=44 s=46
